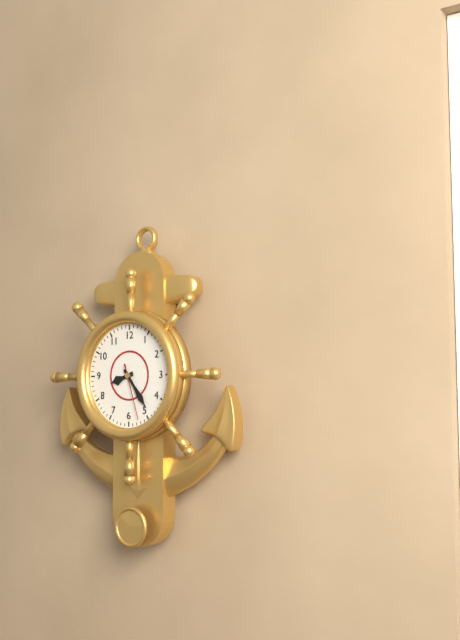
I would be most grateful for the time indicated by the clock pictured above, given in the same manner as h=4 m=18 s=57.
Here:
h=8 m=24 s=27
